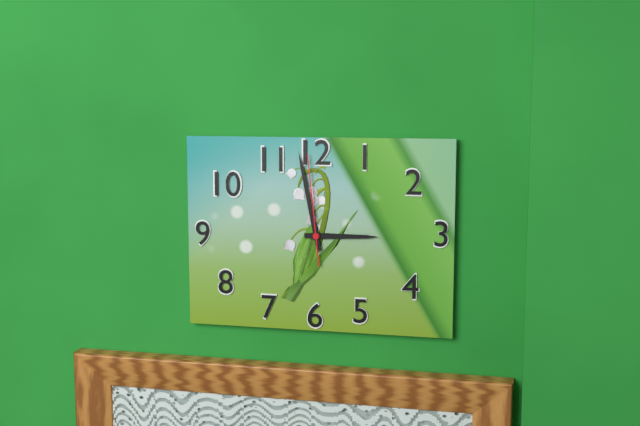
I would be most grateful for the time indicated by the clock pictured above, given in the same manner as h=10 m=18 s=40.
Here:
h=2 m=58 s=59
